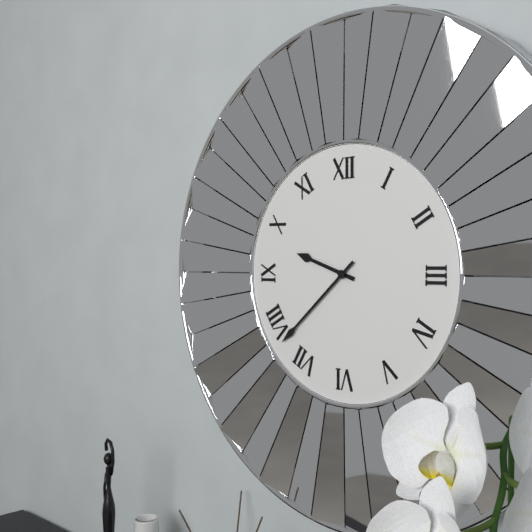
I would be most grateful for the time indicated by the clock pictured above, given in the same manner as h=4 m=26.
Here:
h=9 m=38
